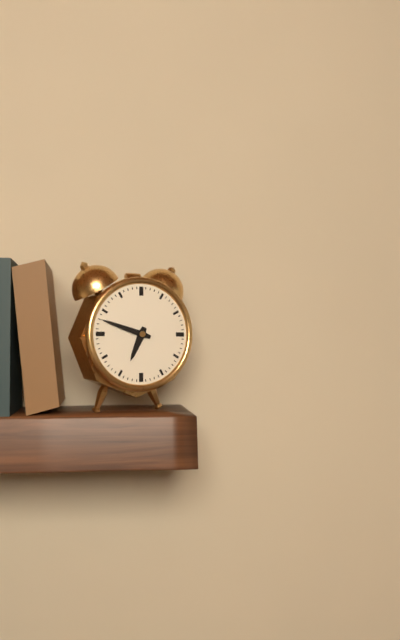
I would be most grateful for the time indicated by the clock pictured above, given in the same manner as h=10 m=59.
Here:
h=6 m=48
